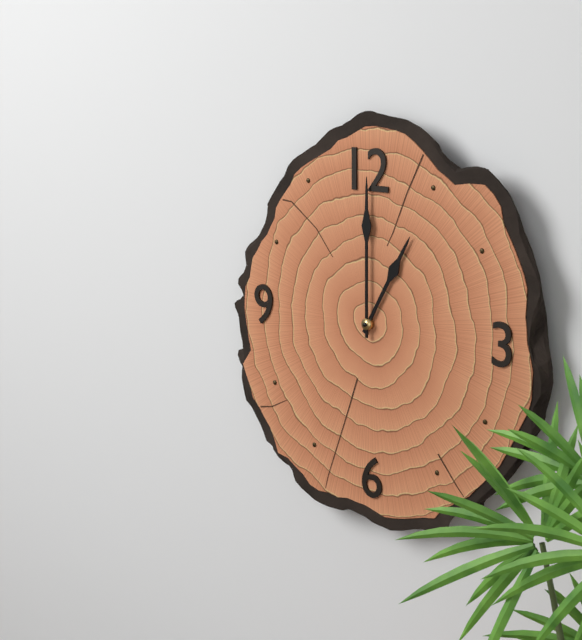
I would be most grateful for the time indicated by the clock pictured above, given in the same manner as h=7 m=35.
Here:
h=1 m=0
